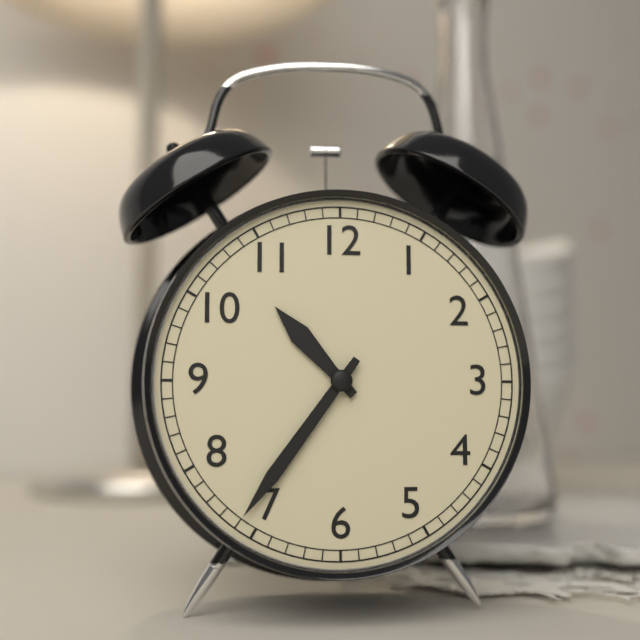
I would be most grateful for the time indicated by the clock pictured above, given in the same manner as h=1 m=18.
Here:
h=10 m=36
